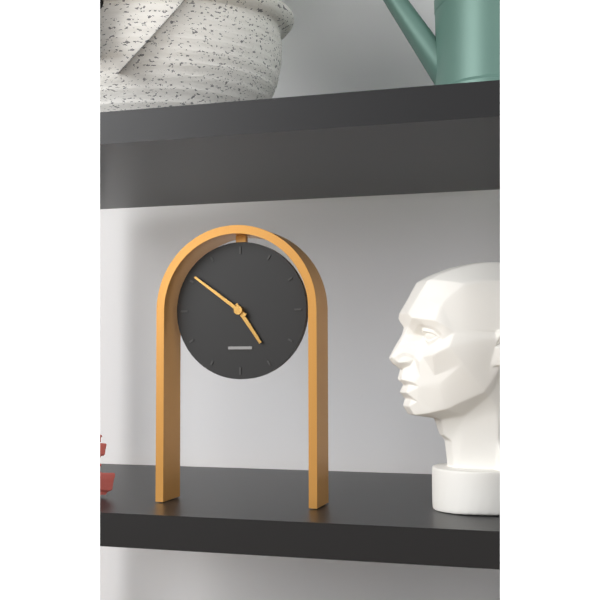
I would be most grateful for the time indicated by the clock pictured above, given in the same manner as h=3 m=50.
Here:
h=4 m=51
